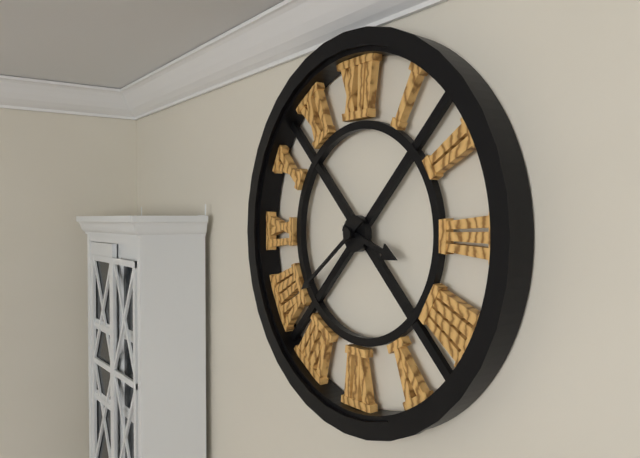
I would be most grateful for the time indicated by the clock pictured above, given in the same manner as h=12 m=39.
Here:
h=3 m=39
